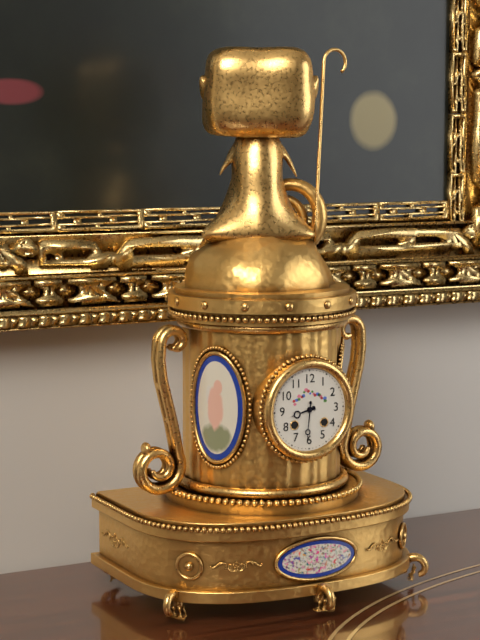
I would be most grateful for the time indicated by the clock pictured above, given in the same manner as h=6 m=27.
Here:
h=8 m=31
